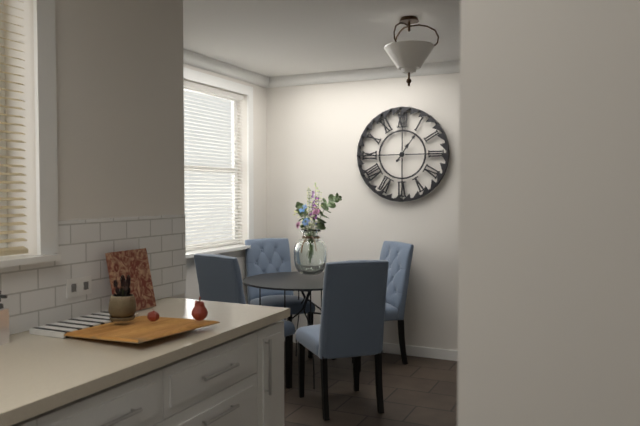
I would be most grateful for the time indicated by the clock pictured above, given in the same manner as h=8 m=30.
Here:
h=1 m=6
